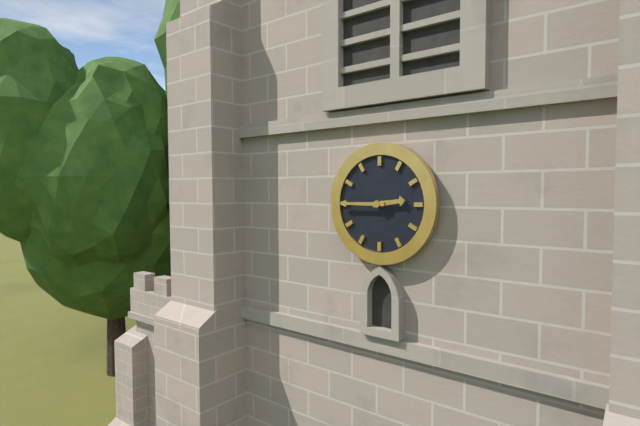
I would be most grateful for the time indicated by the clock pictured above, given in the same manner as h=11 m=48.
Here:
h=2 m=45
